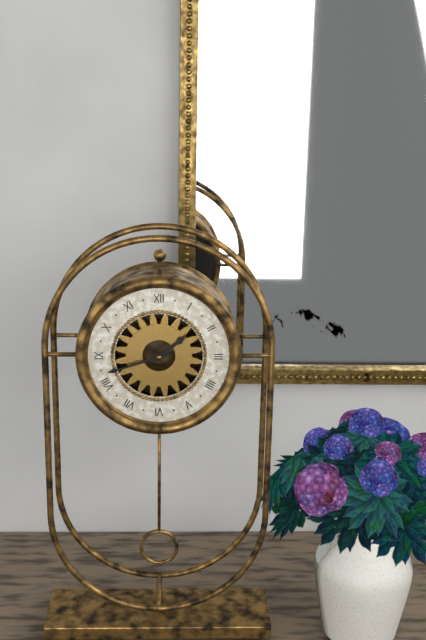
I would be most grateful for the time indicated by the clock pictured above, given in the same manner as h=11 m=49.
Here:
h=1 m=42
